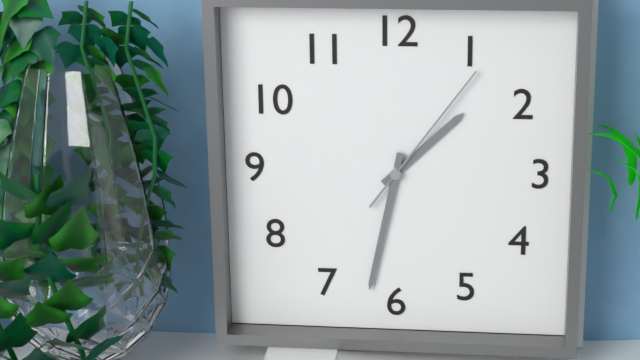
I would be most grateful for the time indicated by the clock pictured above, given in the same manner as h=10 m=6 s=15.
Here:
h=1 m=32 s=6
